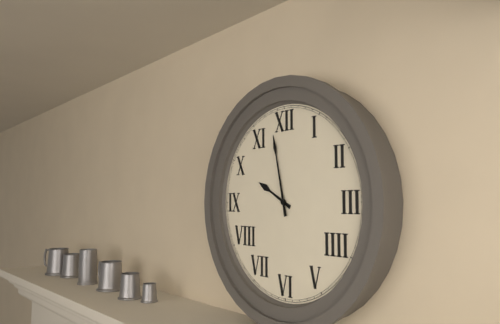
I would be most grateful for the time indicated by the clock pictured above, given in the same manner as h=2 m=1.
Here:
h=9 m=58
